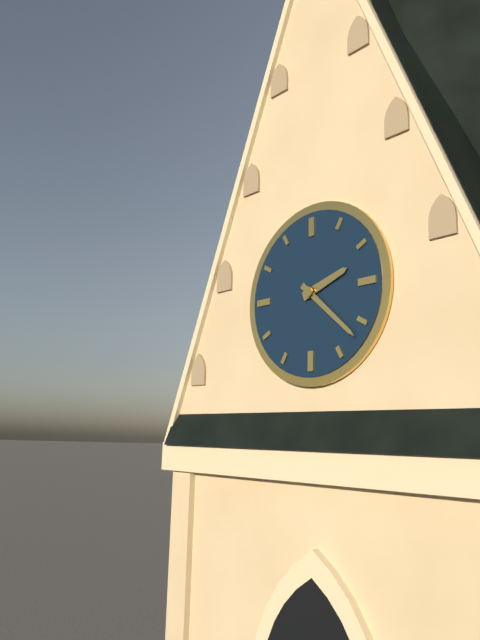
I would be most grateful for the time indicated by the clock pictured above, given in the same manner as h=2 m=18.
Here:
h=2 m=22
